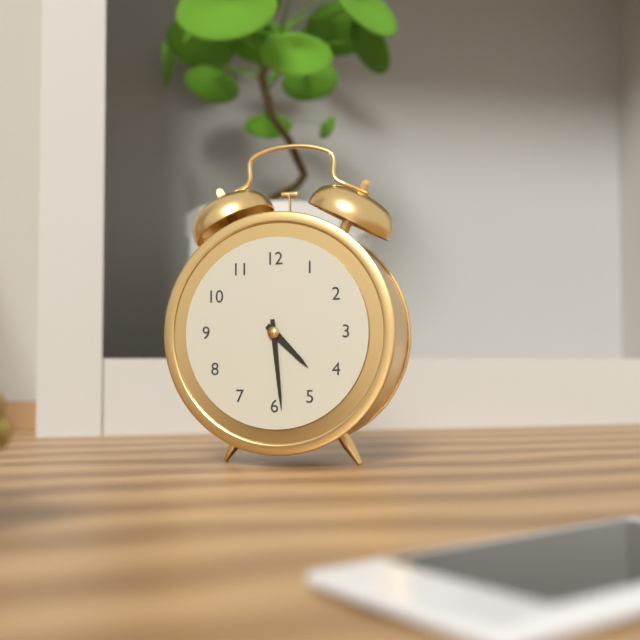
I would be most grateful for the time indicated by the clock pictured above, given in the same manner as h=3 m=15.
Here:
h=4 m=29
